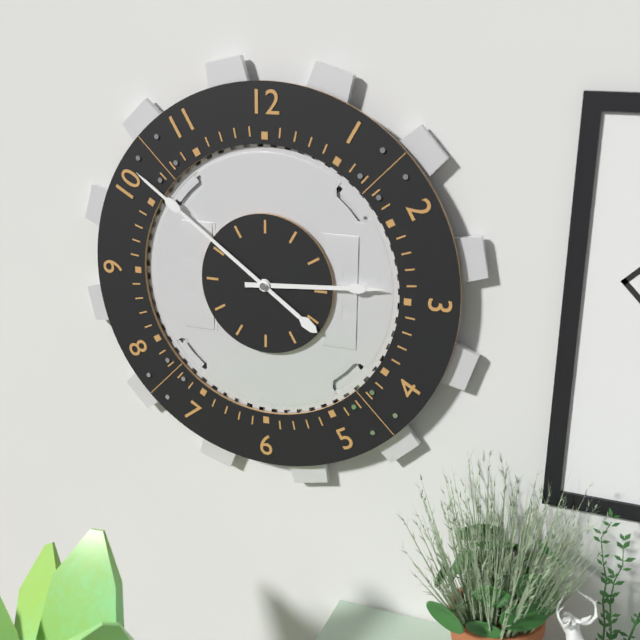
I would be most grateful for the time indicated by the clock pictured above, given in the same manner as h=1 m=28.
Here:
h=2 m=51
